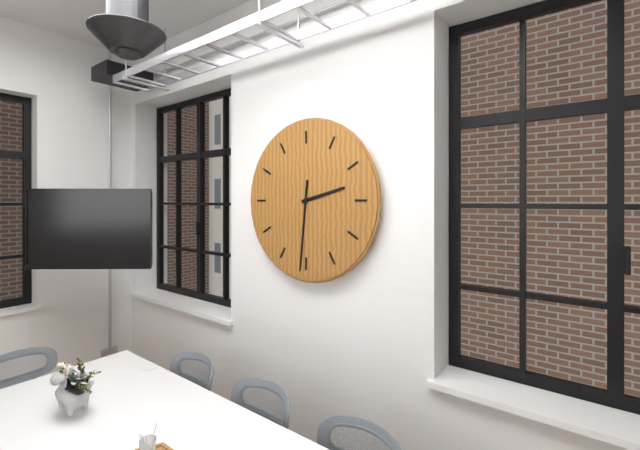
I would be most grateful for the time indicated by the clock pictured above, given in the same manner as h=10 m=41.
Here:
h=2 m=31
